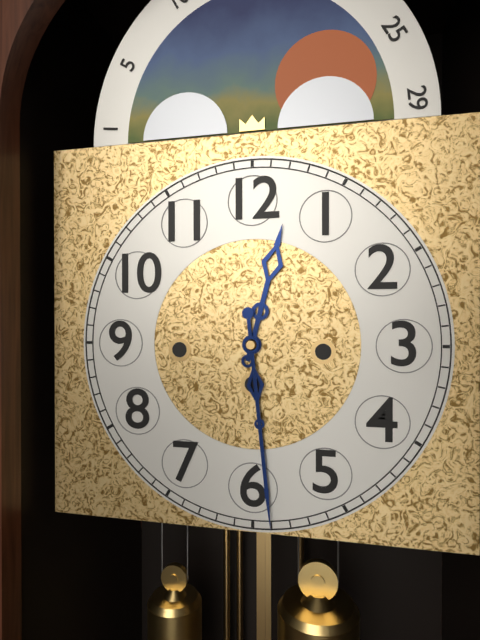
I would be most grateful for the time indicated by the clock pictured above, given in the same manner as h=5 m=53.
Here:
h=12 m=29
